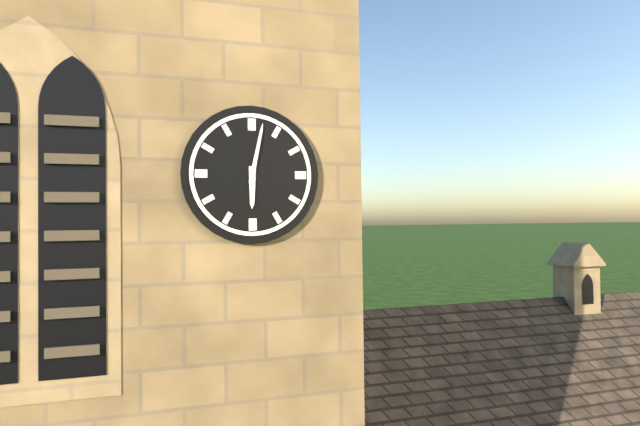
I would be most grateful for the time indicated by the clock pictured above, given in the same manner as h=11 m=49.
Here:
h=6 m=2
